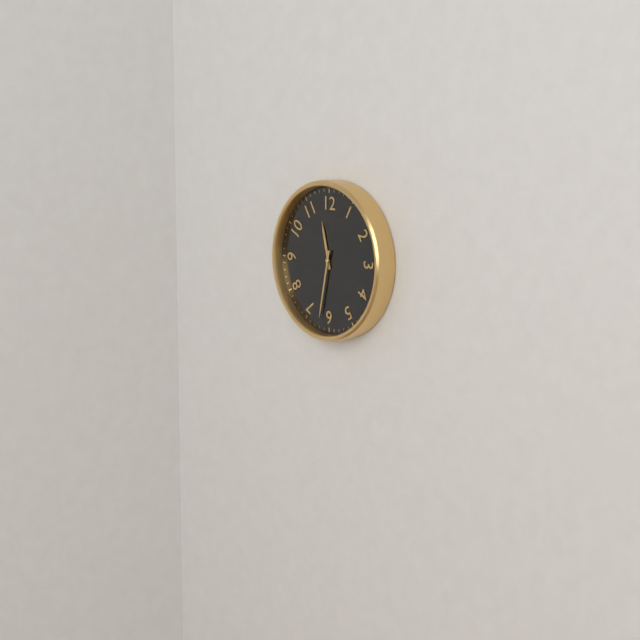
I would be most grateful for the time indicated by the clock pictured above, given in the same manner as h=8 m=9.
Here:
h=11 m=32
